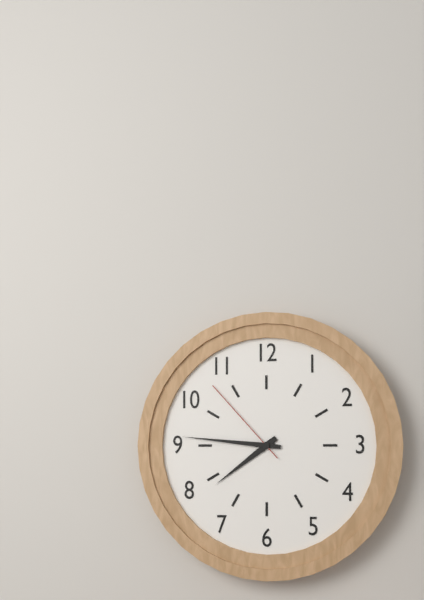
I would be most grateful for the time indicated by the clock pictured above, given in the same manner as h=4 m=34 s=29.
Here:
h=7 m=46 s=53
